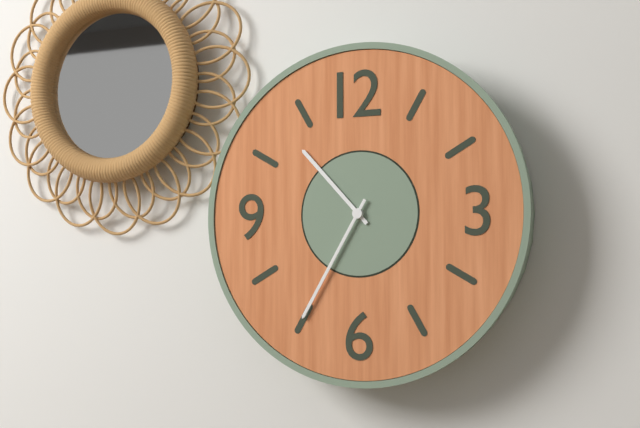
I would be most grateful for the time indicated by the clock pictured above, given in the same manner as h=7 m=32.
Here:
h=10 m=35
